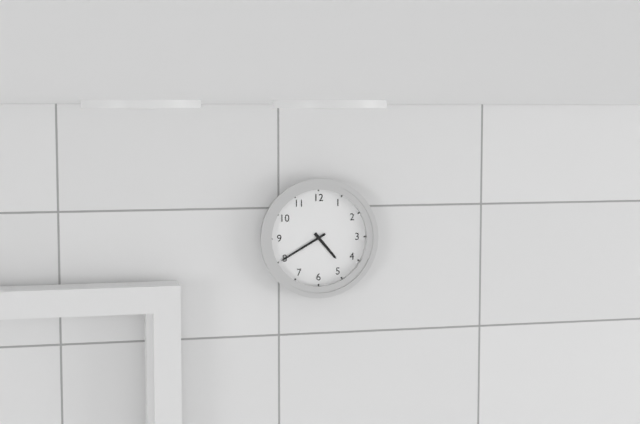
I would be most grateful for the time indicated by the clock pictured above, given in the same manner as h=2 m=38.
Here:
h=4 m=40
